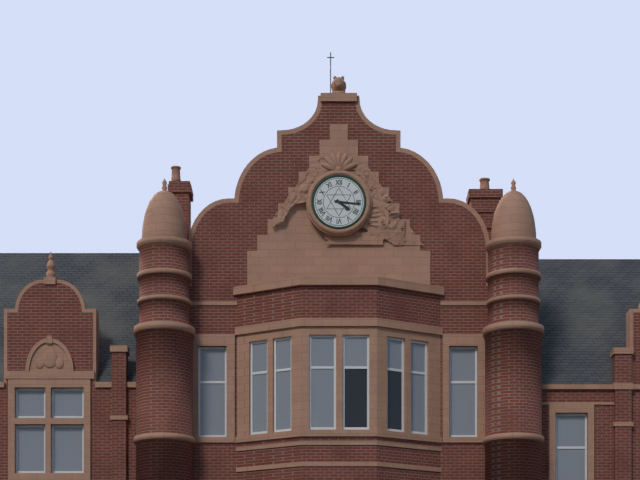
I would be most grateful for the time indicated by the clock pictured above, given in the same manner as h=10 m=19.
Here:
h=4 m=16
